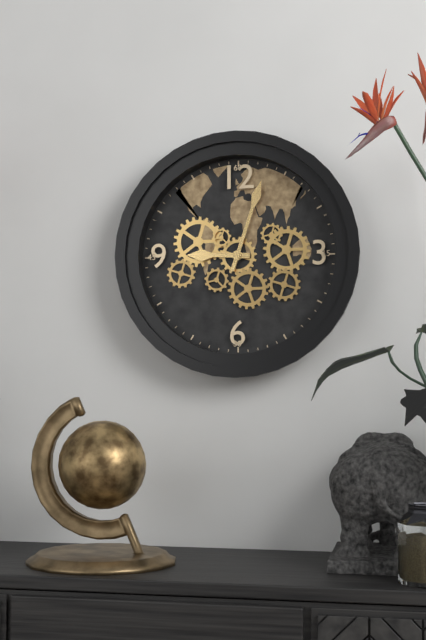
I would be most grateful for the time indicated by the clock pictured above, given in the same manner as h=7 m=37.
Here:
h=9 m=3
